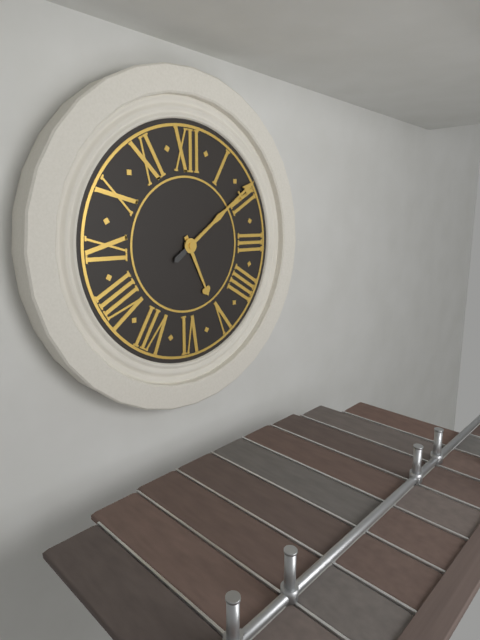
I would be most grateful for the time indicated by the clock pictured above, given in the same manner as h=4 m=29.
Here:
h=5 m=9
